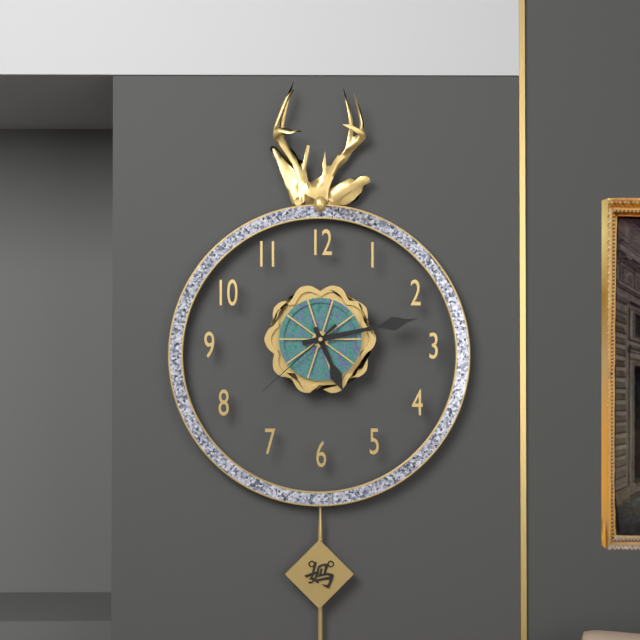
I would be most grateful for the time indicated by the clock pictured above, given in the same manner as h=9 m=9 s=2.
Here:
h=5 m=13 s=38
